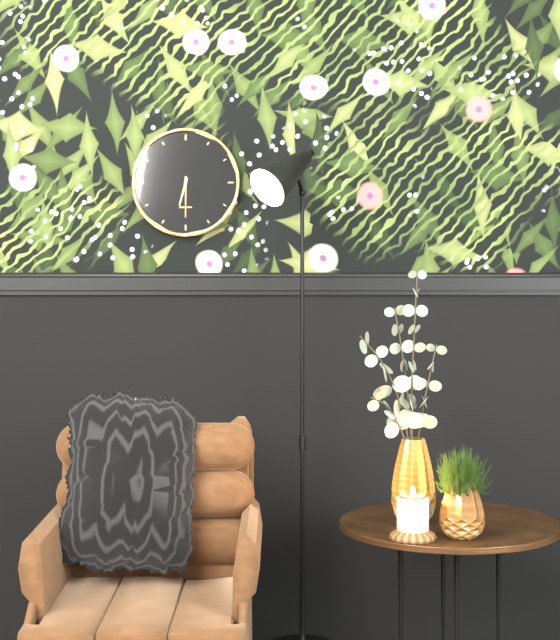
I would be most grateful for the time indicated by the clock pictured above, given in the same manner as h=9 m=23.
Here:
h=6 m=30
